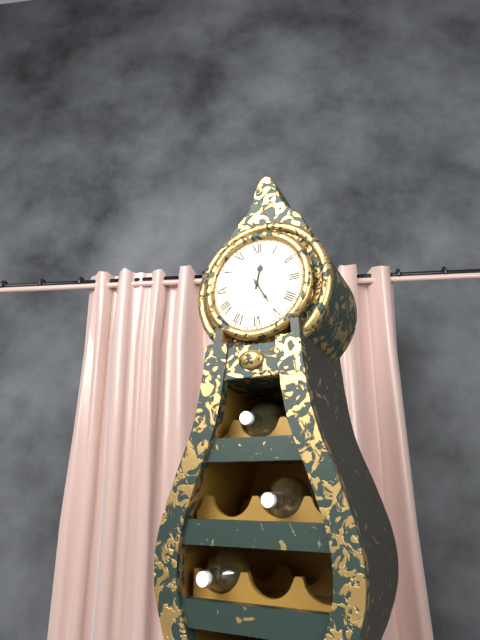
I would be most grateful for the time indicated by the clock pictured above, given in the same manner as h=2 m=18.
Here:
h=12 m=25
